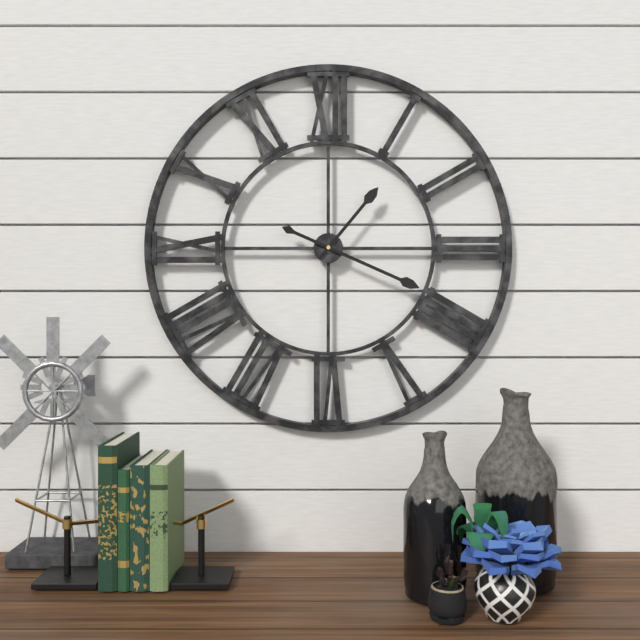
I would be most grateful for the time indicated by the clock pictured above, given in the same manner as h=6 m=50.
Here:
h=1 m=19
